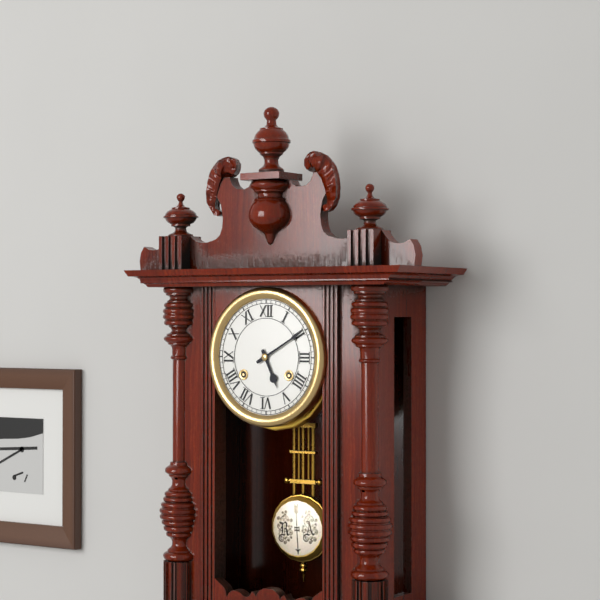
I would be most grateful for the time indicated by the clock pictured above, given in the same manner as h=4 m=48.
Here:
h=5 m=10
